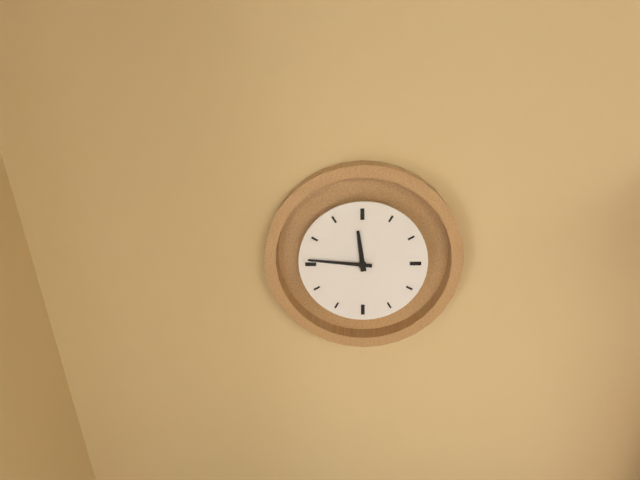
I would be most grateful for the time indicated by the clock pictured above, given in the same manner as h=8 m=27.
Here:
h=11 m=46
